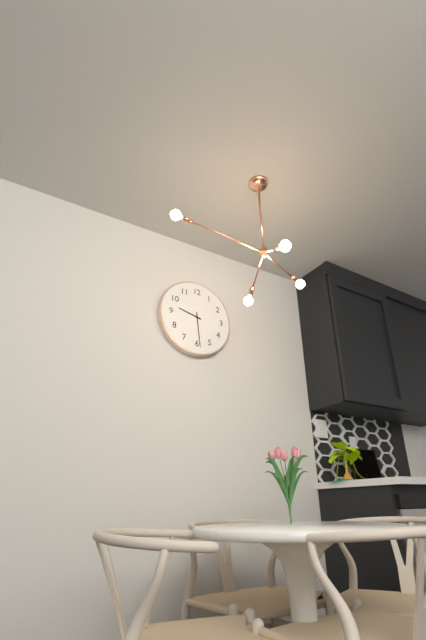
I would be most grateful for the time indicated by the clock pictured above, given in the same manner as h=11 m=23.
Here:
h=9 m=29
